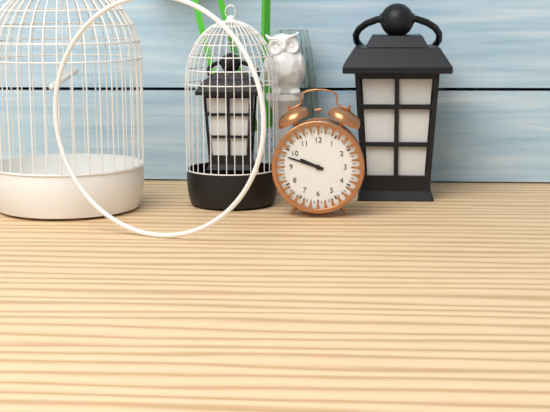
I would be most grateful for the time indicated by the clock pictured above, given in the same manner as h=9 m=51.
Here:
h=9 m=48
